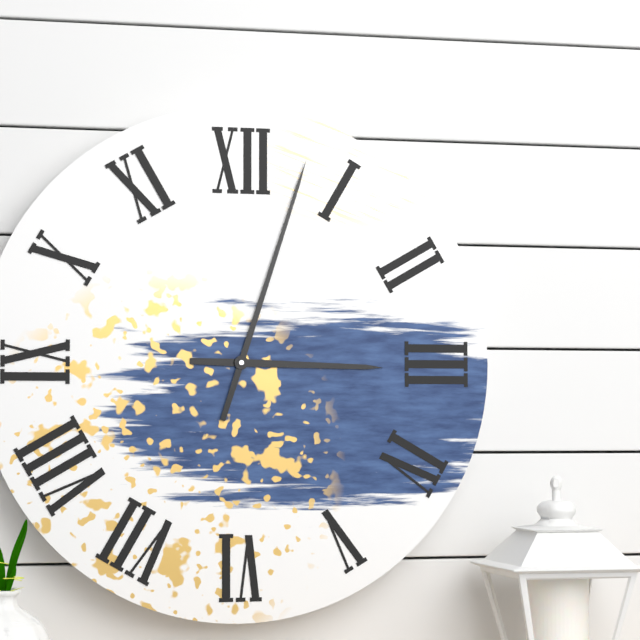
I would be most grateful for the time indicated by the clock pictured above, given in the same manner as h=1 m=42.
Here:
h=3 m=3
